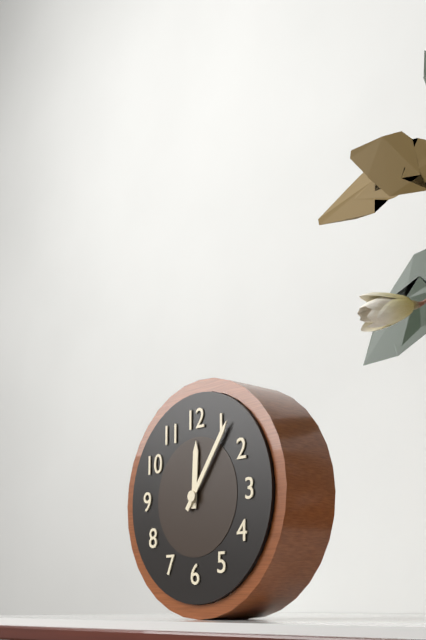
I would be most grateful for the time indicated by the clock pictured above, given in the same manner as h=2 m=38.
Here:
h=12 m=6
